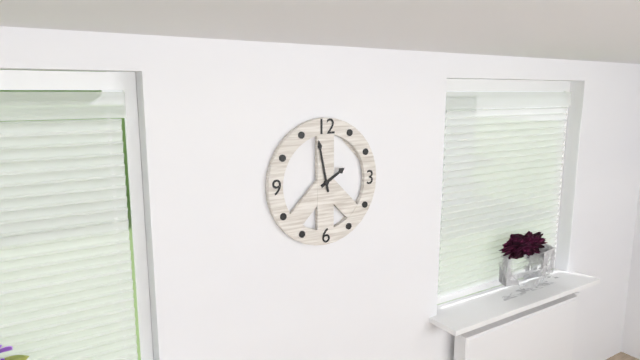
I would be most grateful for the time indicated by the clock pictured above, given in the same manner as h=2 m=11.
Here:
h=1 m=58
